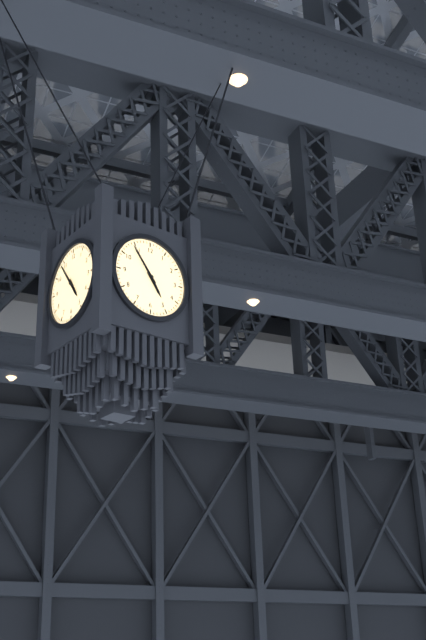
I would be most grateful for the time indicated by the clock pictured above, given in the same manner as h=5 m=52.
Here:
h=4 m=54
